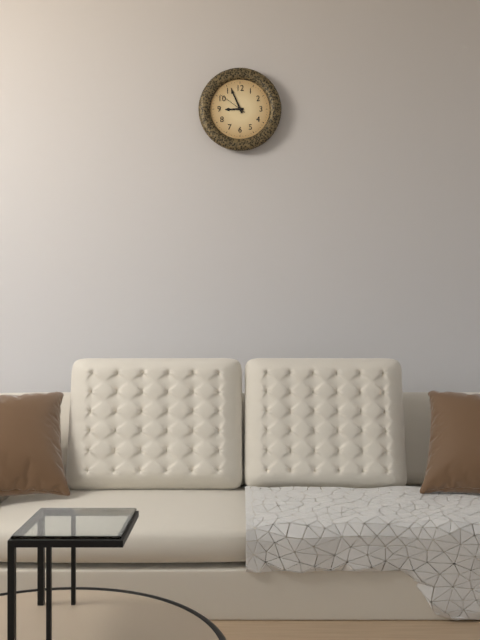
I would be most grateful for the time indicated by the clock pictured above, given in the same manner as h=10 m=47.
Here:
h=8 m=56
